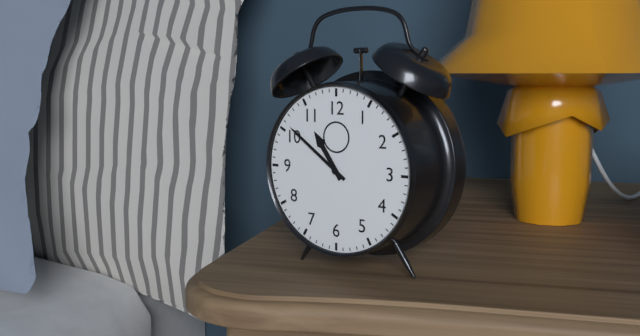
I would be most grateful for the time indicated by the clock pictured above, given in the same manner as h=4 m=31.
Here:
h=10 m=51
